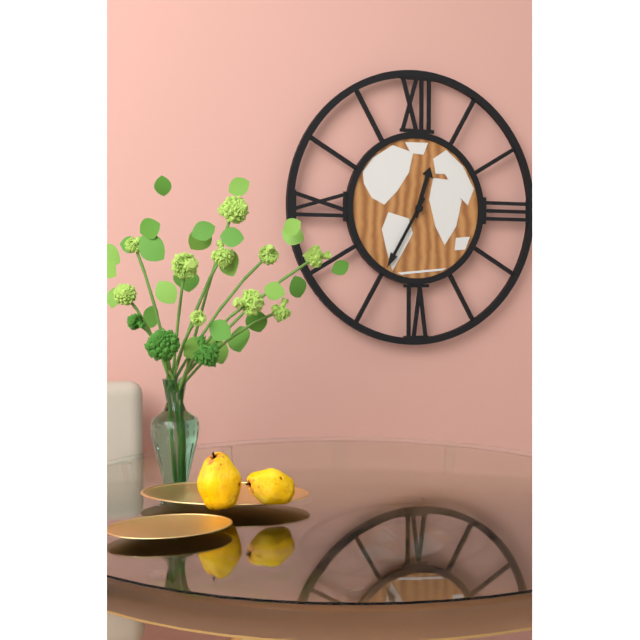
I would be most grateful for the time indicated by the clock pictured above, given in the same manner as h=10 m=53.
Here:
h=12 m=35
